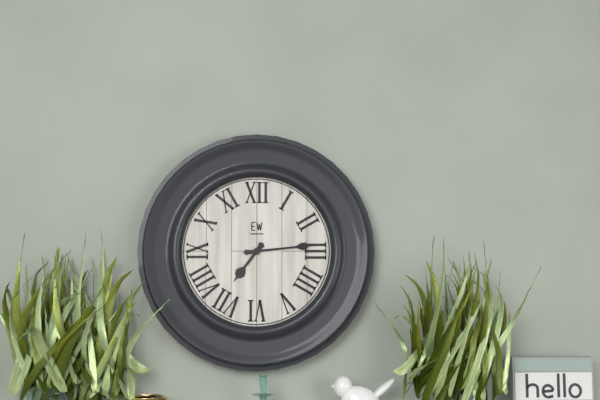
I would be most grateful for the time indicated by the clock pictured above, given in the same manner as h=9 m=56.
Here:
h=7 m=14
